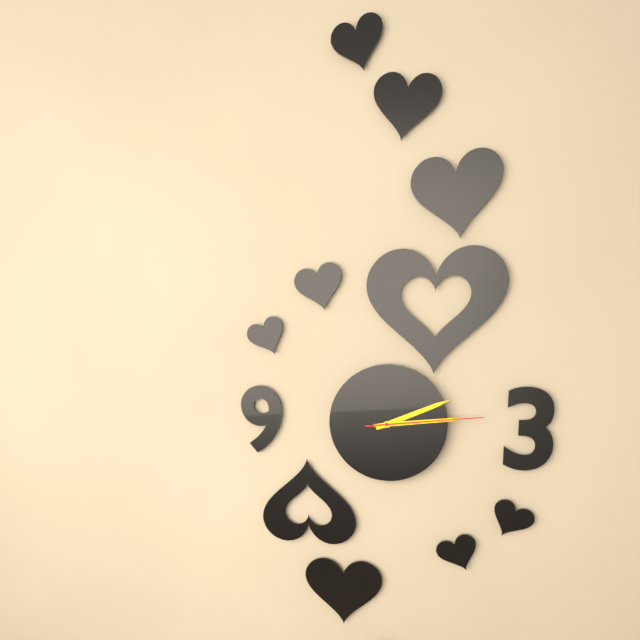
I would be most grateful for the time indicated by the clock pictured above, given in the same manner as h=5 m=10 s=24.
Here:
h=2 m=14 s=14
